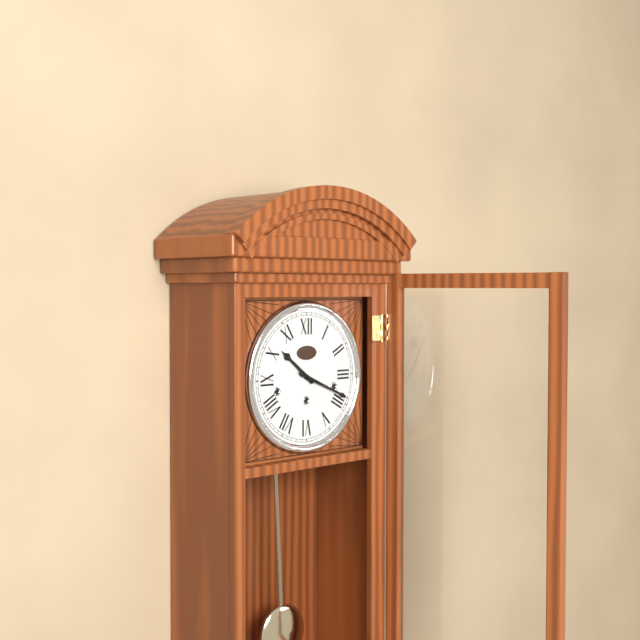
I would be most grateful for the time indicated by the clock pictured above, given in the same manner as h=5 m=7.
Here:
h=10 m=19
